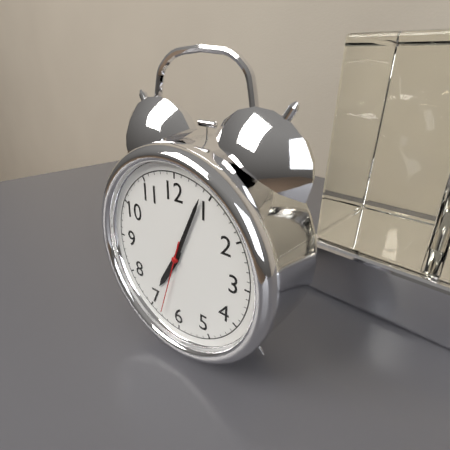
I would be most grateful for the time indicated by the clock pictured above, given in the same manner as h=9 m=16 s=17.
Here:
h=7 m=4 s=33
